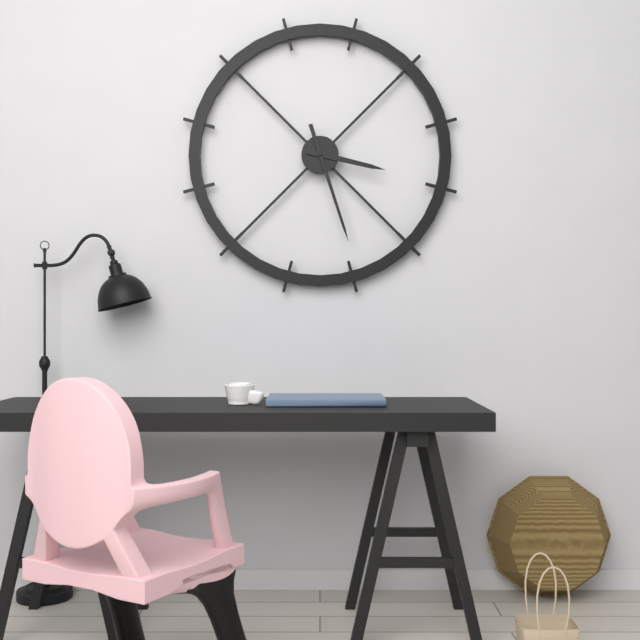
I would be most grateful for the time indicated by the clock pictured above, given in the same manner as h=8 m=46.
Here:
h=3 m=27
